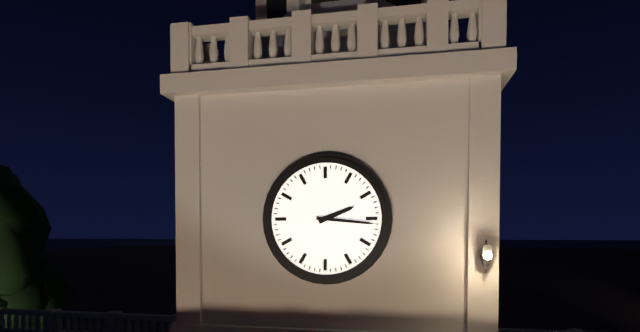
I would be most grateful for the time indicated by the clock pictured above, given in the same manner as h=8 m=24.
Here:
h=2 m=16
